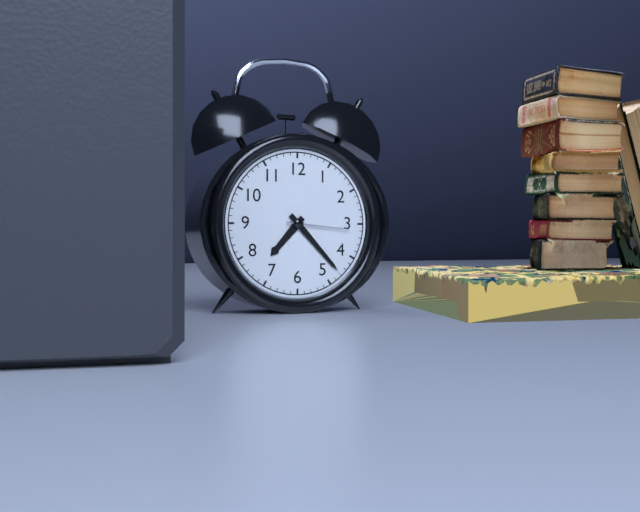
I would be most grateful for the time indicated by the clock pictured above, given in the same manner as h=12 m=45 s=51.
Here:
h=7 m=23 s=16
